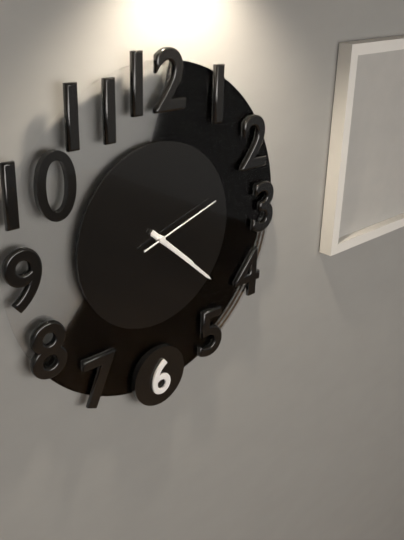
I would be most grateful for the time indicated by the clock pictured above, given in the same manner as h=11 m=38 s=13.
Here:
h=4 m=22 s=12
